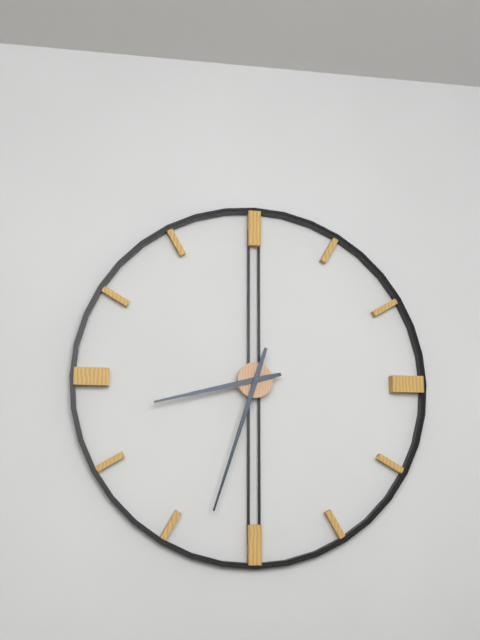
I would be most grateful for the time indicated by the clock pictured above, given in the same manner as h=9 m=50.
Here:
h=8 m=33
